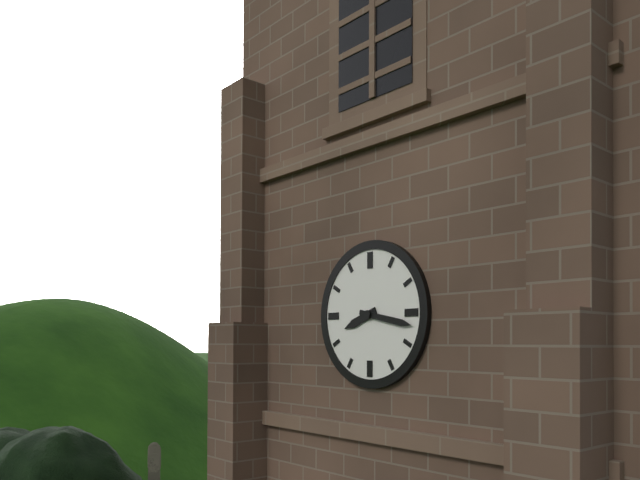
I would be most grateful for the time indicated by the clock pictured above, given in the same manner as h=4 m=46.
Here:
h=8 m=17
